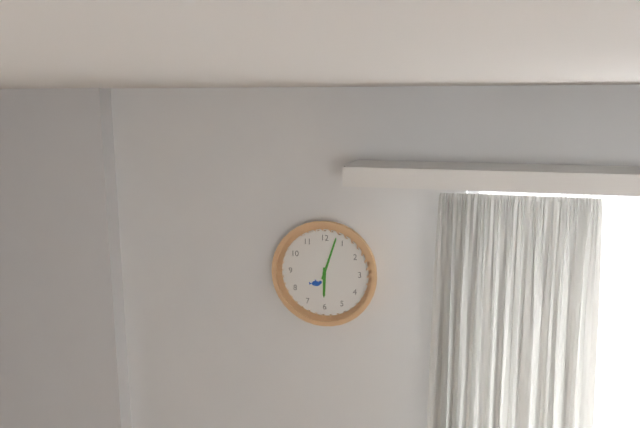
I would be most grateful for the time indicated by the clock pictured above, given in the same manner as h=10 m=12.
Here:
h=6 m=3
